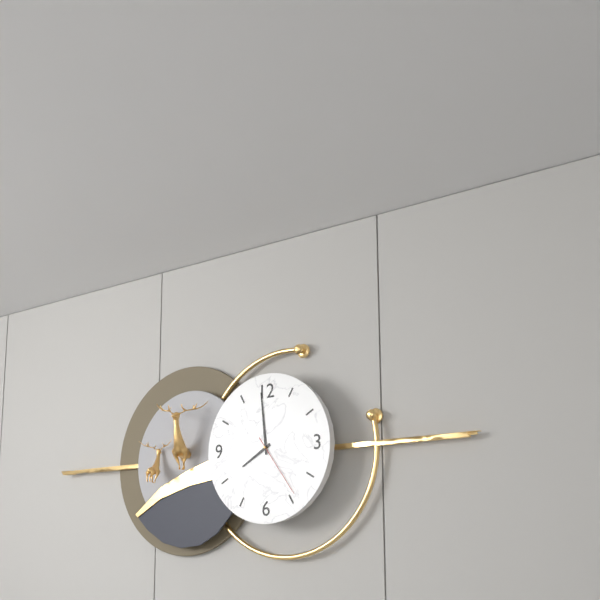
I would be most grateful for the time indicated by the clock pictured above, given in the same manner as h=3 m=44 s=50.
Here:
h=7 m=59 s=24
